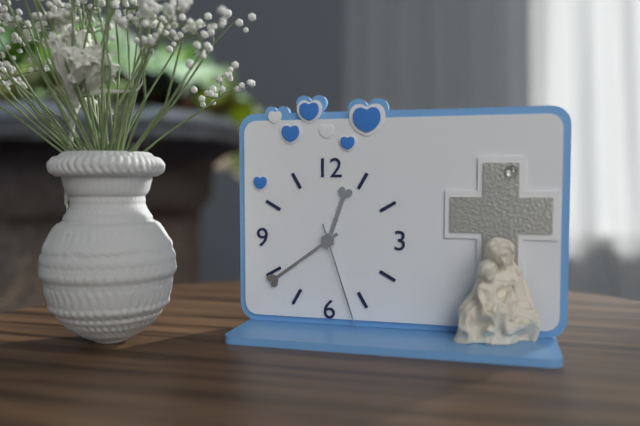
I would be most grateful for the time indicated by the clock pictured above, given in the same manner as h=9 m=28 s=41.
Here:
h=12 m=39 s=27
